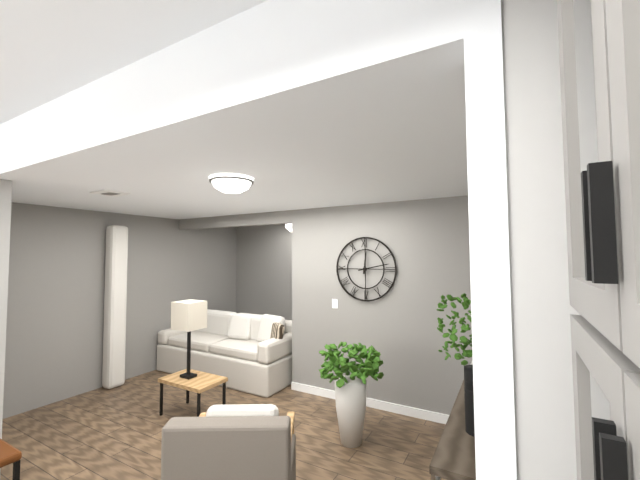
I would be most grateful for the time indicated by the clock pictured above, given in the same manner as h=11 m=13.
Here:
h=12 m=13
